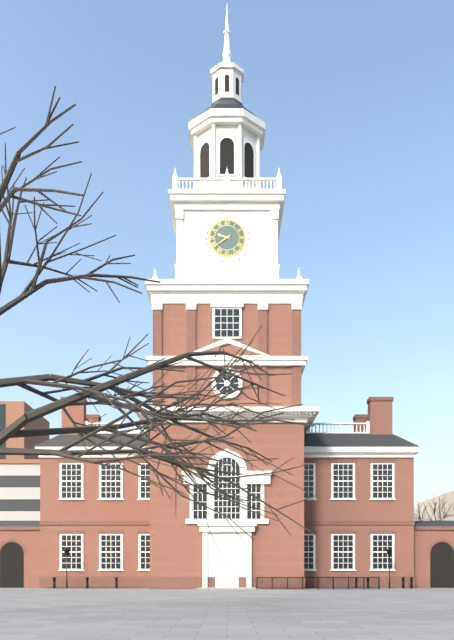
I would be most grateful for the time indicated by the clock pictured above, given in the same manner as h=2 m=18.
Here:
h=9 m=39
